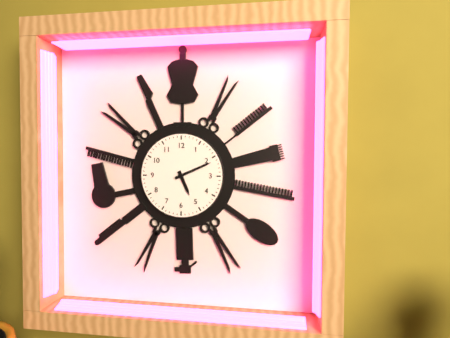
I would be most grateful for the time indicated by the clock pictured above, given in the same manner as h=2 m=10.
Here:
h=5 m=11
